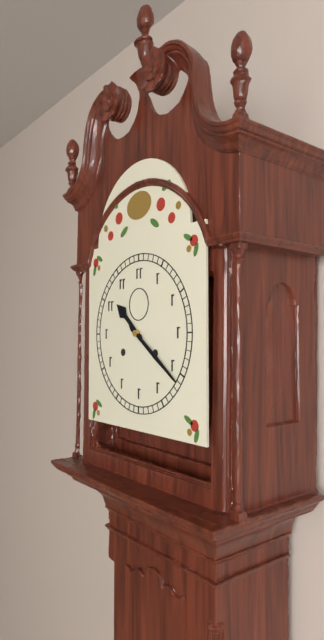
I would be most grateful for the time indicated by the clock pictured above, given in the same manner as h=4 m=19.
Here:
h=10 m=21
